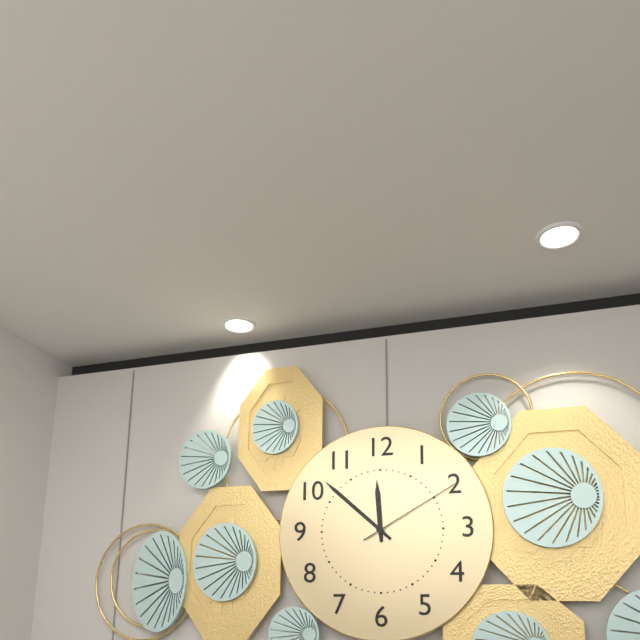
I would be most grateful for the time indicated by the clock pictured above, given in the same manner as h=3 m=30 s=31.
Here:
h=11 m=52 s=10
